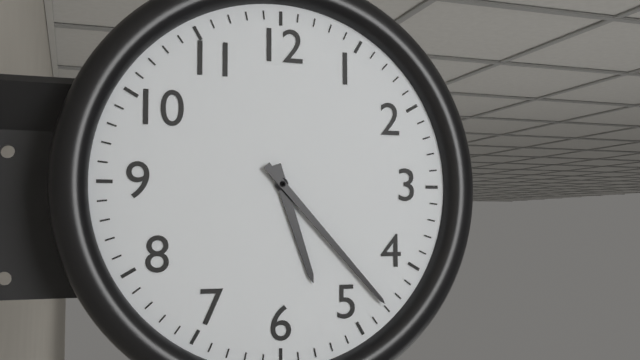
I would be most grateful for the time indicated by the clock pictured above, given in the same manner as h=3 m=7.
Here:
h=5 m=23
